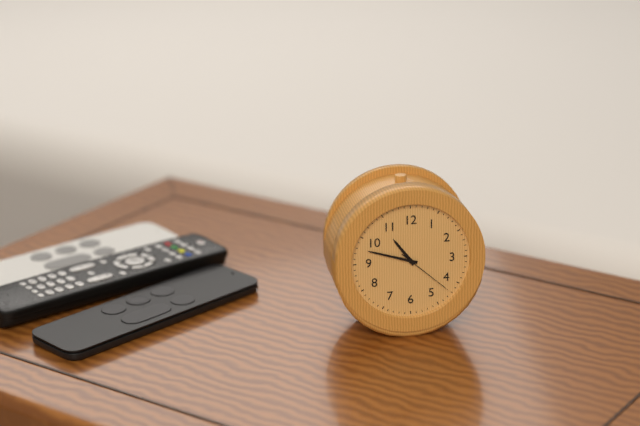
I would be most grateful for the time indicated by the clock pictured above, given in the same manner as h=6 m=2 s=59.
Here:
h=10 m=48 s=22
